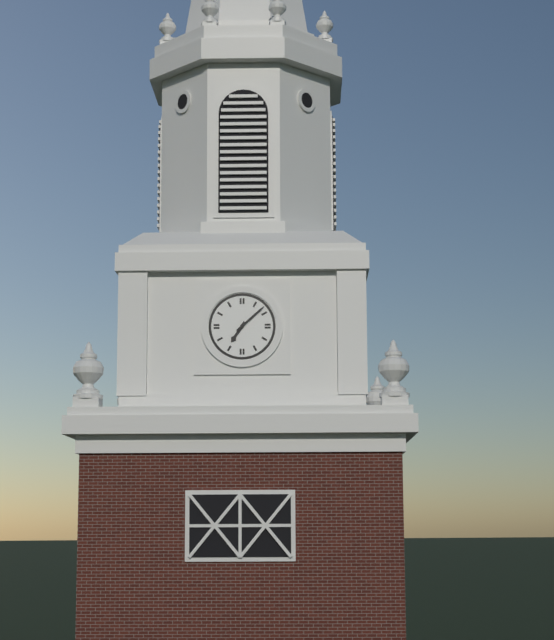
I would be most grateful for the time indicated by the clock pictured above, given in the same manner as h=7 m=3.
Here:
h=7 m=8
